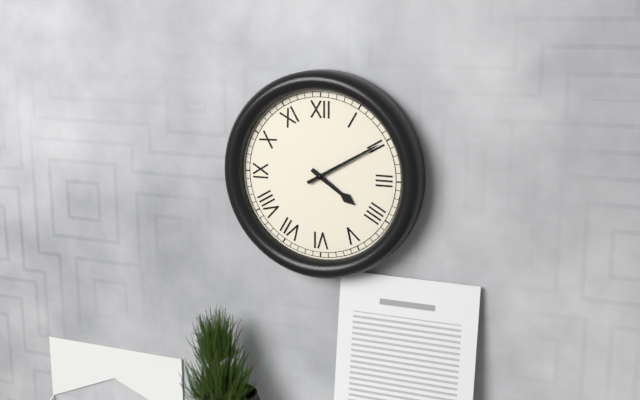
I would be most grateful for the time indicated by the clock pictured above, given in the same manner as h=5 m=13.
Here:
h=4 m=10
